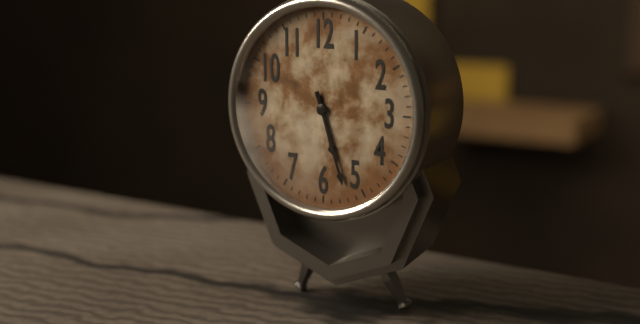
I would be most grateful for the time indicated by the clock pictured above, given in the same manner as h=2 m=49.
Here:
h=5 m=27
